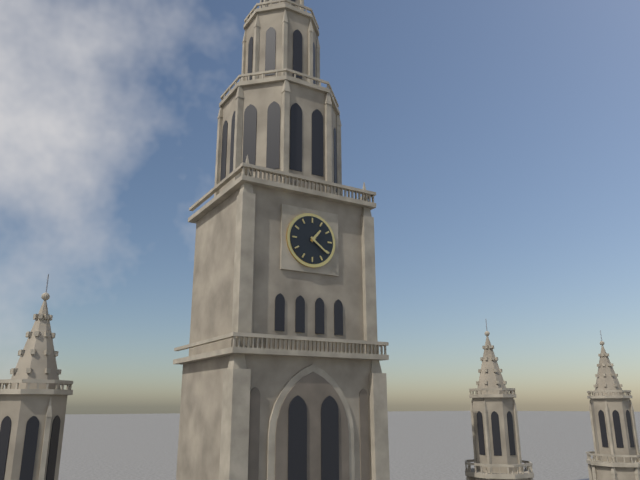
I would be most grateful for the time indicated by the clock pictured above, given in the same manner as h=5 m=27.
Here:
h=1 m=21
